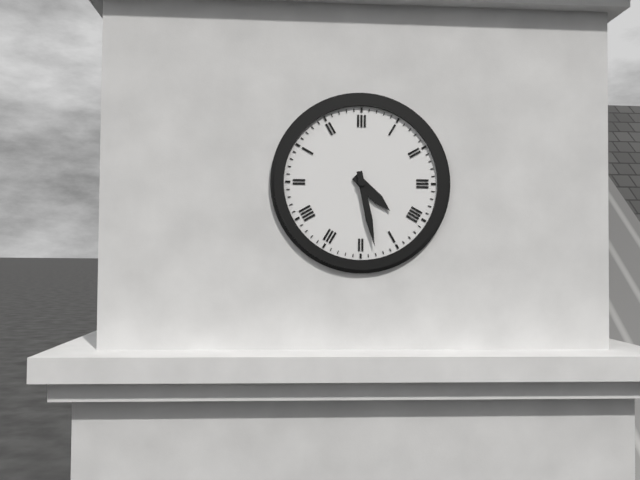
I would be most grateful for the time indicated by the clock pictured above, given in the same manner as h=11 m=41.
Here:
h=4 m=28
